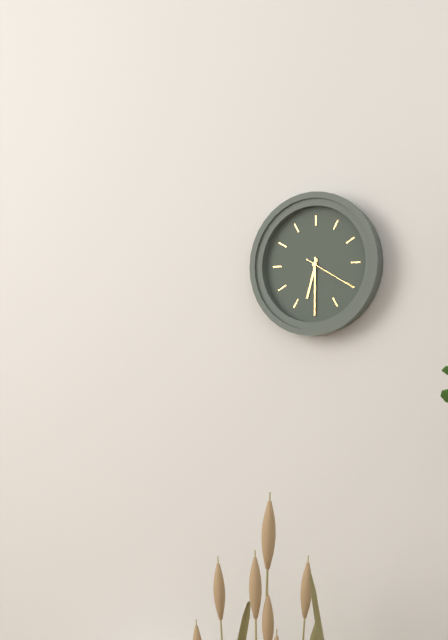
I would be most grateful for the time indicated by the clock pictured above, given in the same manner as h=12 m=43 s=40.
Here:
h=6 m=30 s=20
